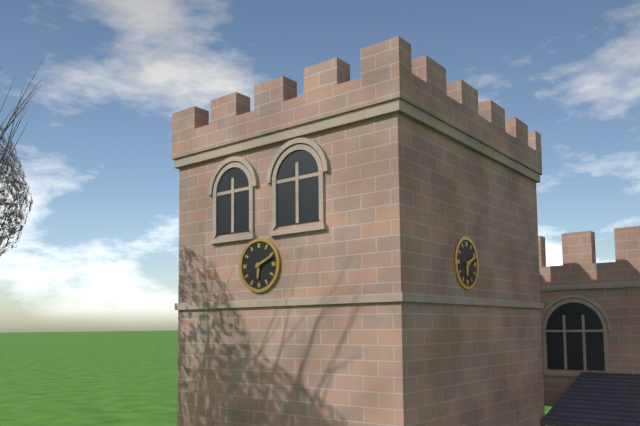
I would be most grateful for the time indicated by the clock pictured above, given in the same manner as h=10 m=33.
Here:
h=6 m=11
